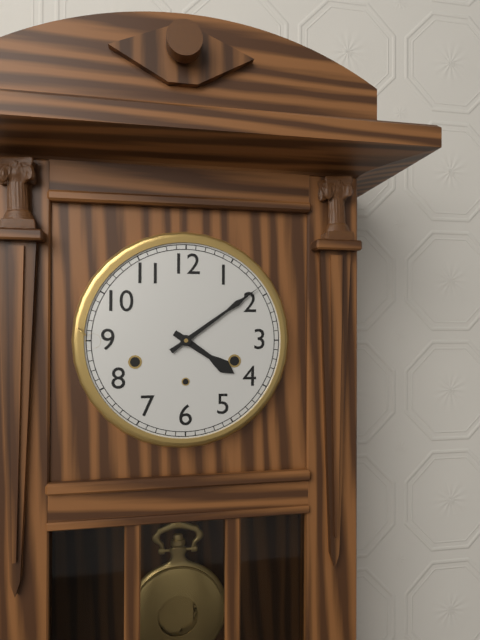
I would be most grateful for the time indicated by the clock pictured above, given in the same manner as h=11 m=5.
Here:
h=4 m=9
